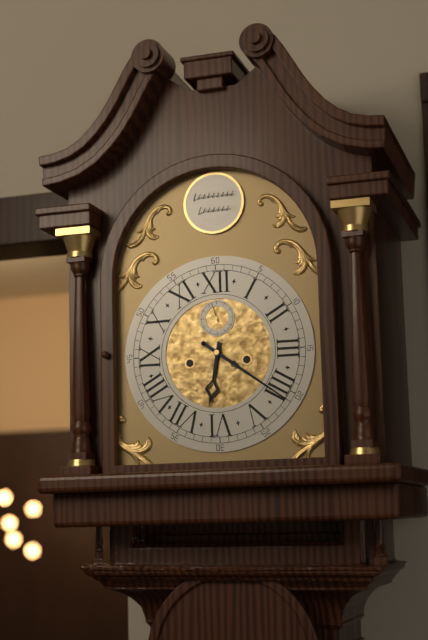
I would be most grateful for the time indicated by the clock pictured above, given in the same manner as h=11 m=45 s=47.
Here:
h=6 m=21 s=57
